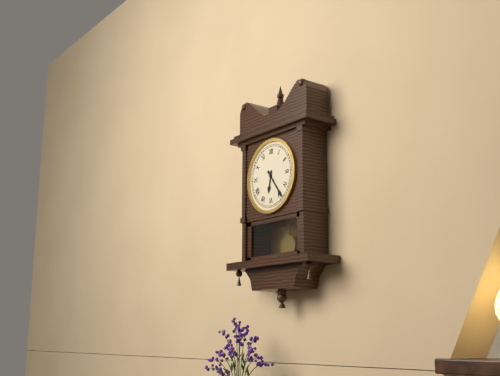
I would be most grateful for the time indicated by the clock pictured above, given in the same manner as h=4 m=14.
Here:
h=6 m=24
